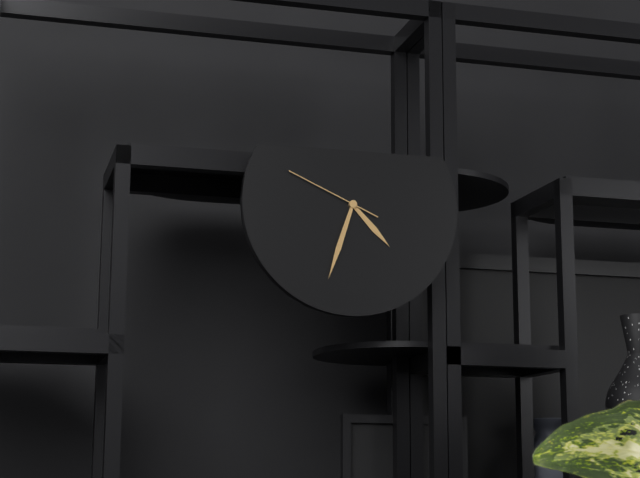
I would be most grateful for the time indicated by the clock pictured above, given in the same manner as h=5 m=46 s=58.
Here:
h=4 m=33 s=49
